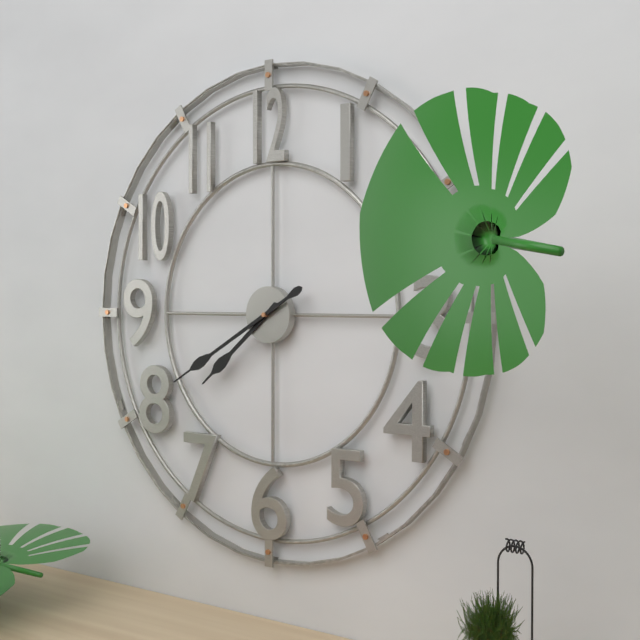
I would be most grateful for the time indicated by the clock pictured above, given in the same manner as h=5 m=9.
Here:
h=7 m=40
